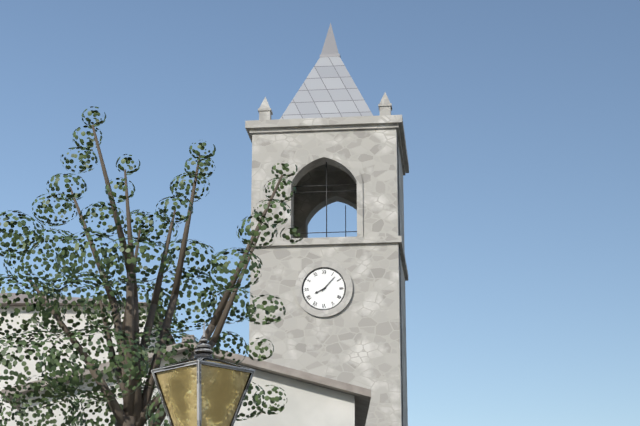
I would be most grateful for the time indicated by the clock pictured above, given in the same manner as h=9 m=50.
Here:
h=8 m=7
